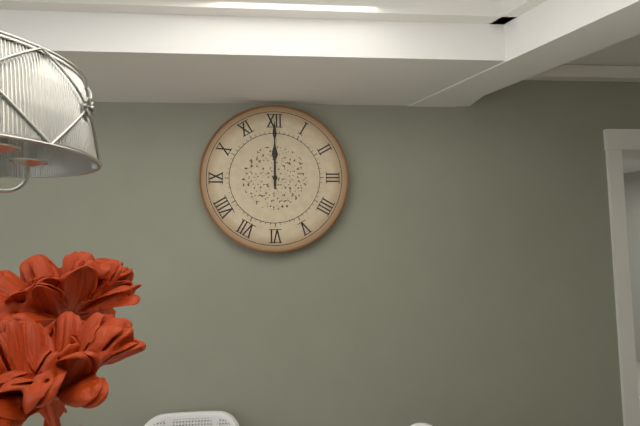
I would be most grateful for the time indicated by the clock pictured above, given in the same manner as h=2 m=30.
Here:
h=12 m=0
